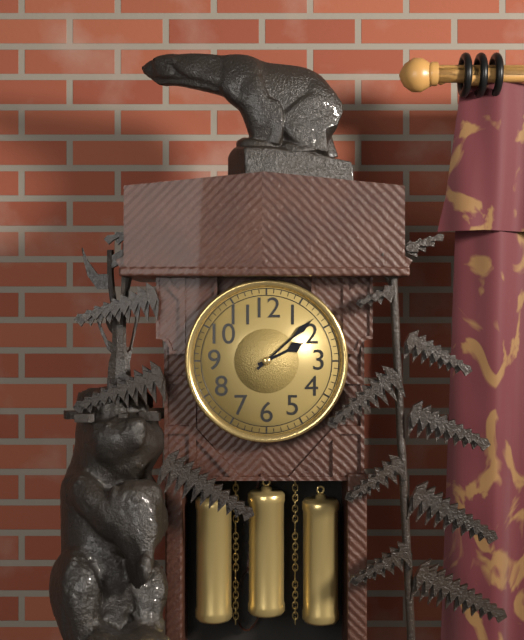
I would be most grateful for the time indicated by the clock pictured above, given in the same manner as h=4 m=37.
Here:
h=2 m=8
